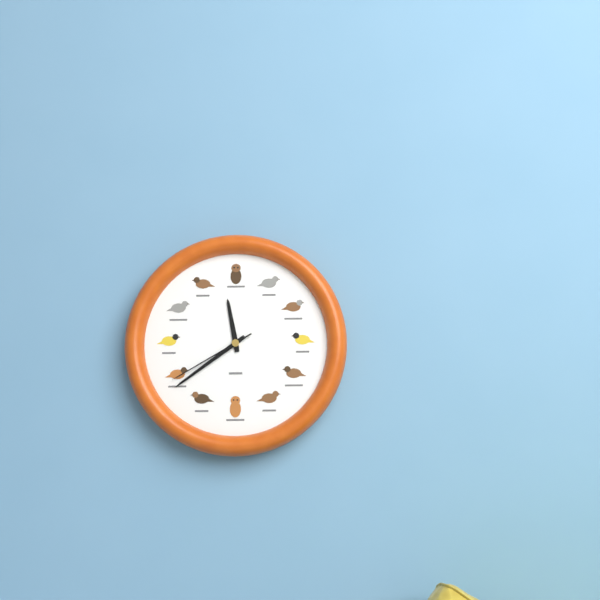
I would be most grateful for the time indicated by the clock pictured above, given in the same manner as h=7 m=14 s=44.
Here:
h=11 m=39 s=40
